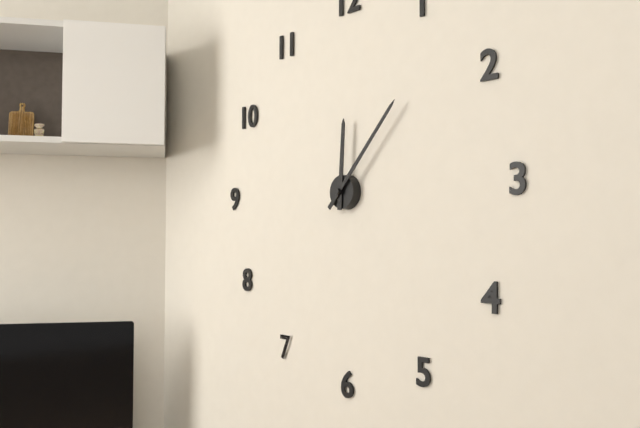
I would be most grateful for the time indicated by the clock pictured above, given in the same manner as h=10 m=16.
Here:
h=12 m=7
